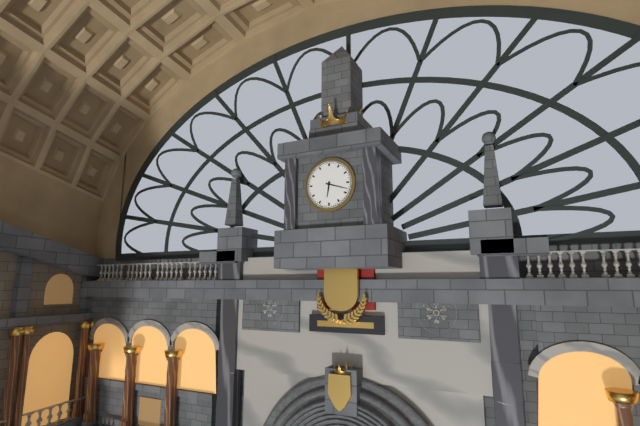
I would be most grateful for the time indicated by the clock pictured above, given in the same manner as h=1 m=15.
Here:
h=6 m=18
